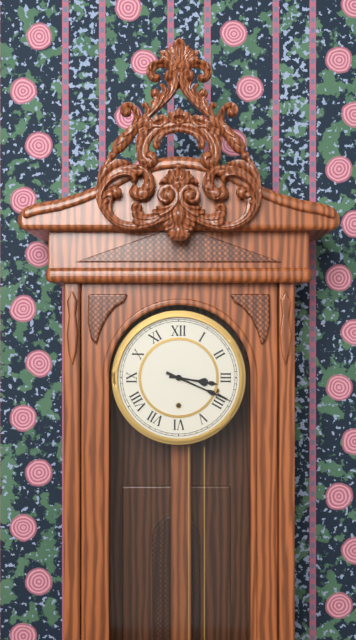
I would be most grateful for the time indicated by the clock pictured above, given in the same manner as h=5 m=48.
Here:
h=3 m=19
